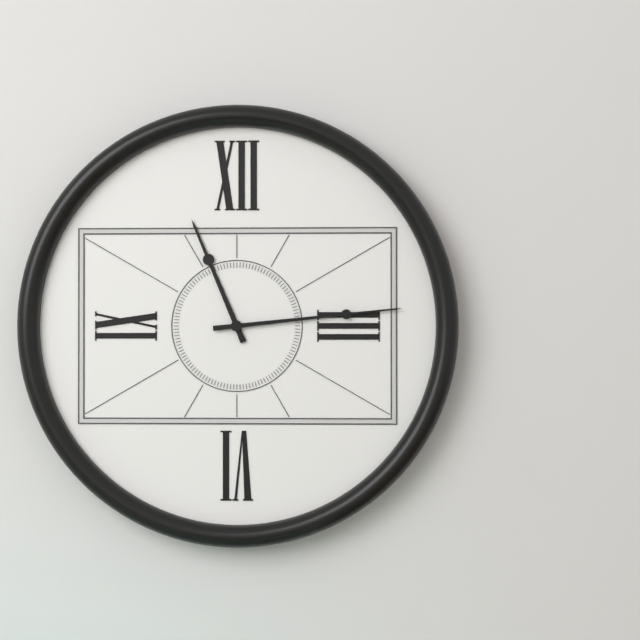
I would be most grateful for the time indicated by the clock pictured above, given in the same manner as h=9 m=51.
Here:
h=11 m=14
